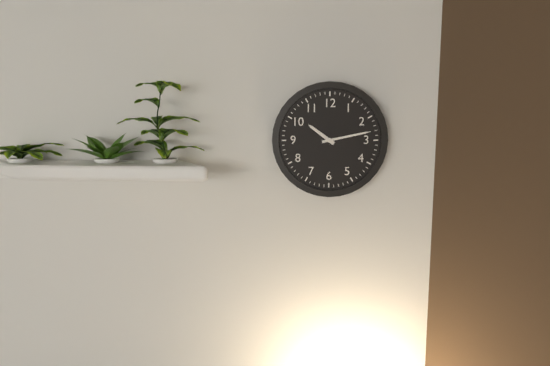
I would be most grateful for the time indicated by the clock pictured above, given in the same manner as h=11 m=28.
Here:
h=10 m=13
